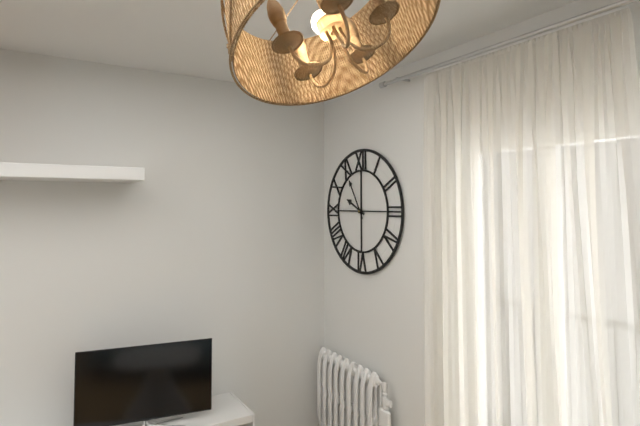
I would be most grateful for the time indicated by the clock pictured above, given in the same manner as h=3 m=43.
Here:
h=9 m=55
